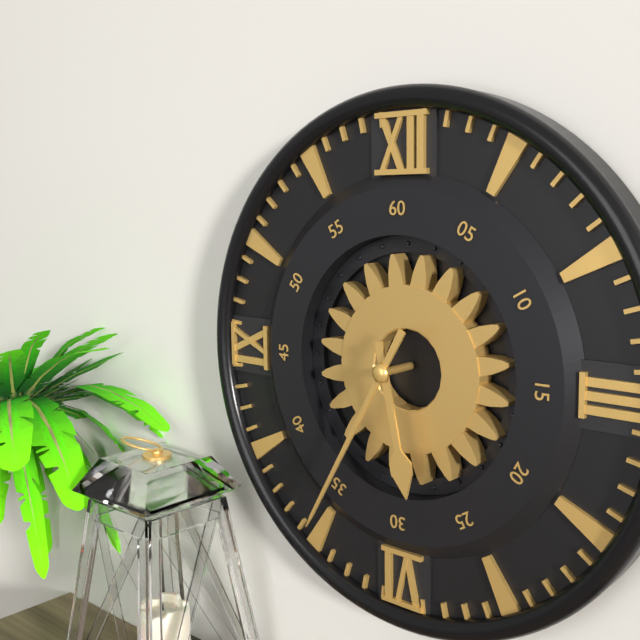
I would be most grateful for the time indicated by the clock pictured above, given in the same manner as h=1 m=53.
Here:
h=5 m=35
